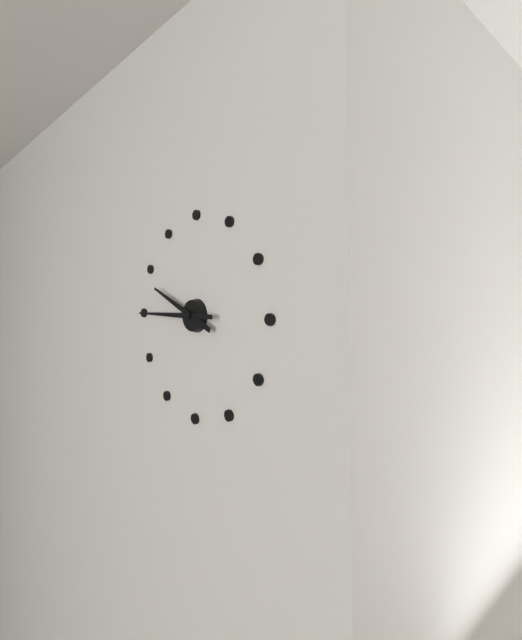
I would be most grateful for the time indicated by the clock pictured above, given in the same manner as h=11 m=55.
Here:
h=9 m=45
